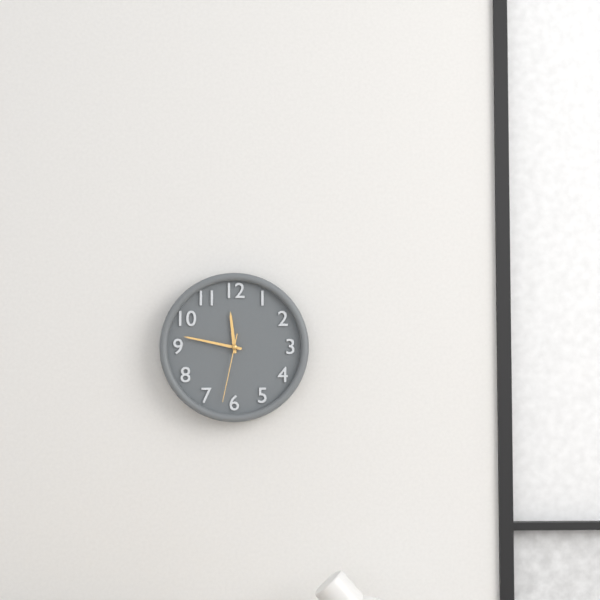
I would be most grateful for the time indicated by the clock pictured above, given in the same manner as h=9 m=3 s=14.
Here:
h=11 m=47 s=32
